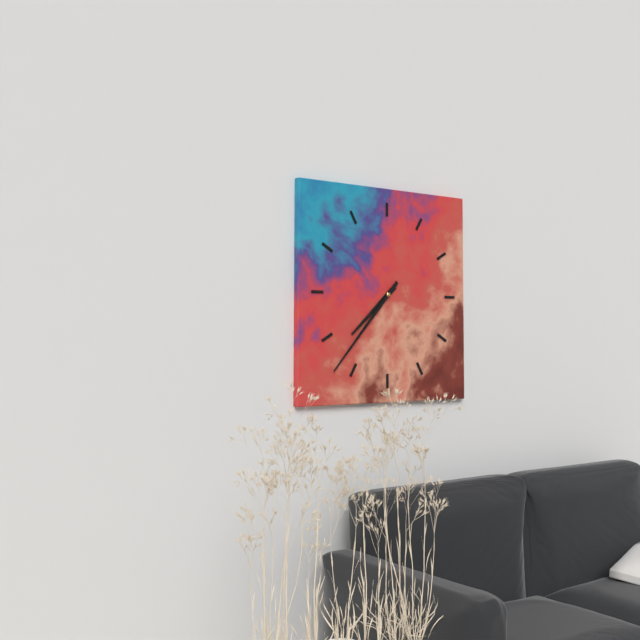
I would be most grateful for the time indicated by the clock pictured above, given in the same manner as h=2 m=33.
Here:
h=7 m=37
